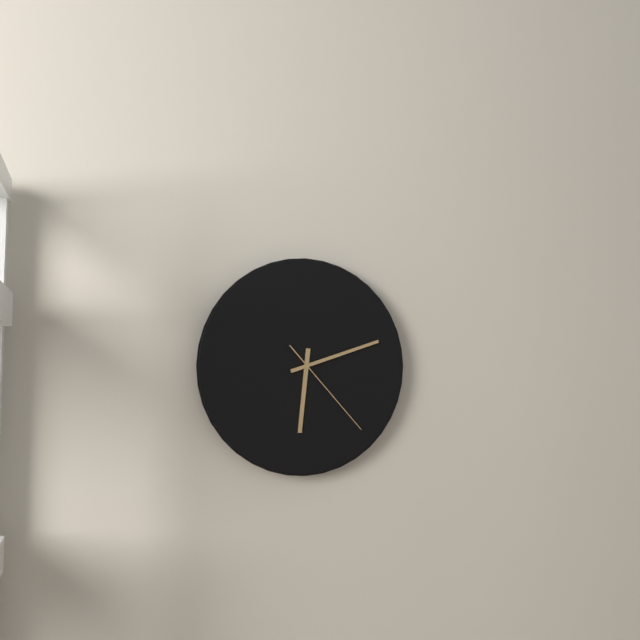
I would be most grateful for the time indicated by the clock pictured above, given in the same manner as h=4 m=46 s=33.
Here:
h=6 m=12 s=23
